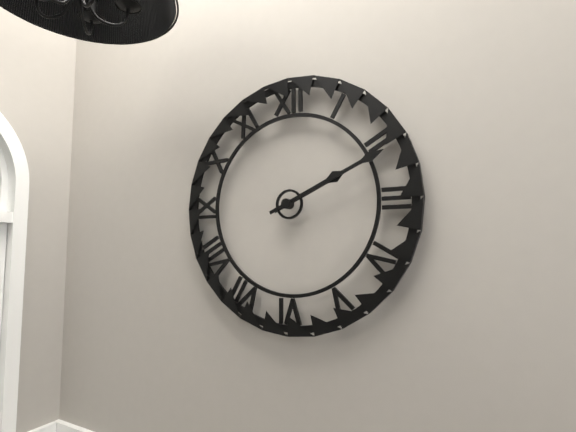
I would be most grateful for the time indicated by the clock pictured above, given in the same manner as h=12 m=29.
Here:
h=2 m=11
